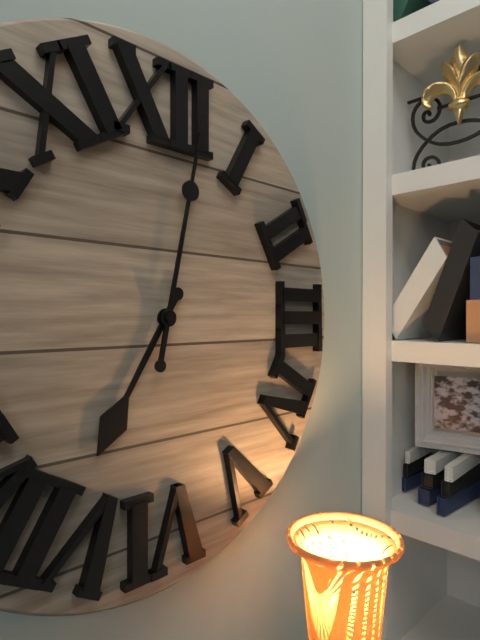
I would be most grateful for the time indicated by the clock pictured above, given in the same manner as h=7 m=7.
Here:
h=7 m=2
